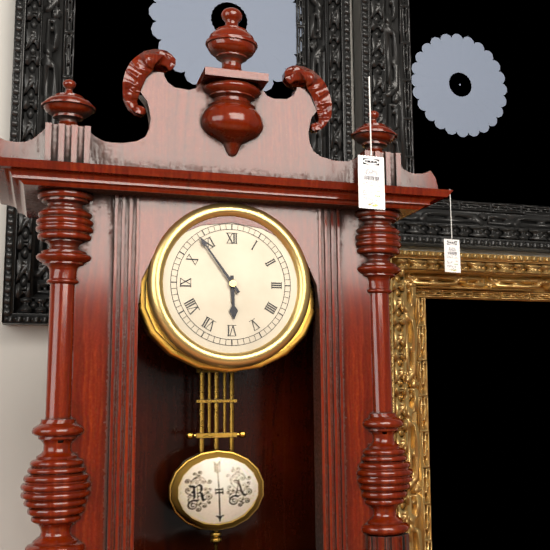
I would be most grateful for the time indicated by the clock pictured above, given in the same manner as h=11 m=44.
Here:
h=5 m=54
